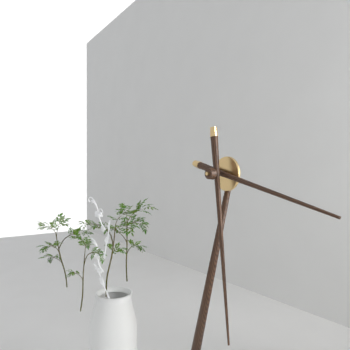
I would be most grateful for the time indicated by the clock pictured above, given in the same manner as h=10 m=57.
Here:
h=3 m=29
